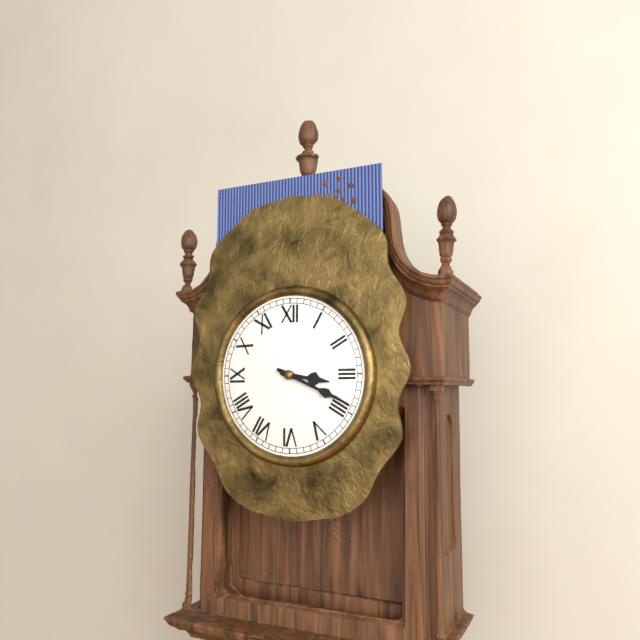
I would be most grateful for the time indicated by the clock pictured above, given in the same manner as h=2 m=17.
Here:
h=3 m=19
